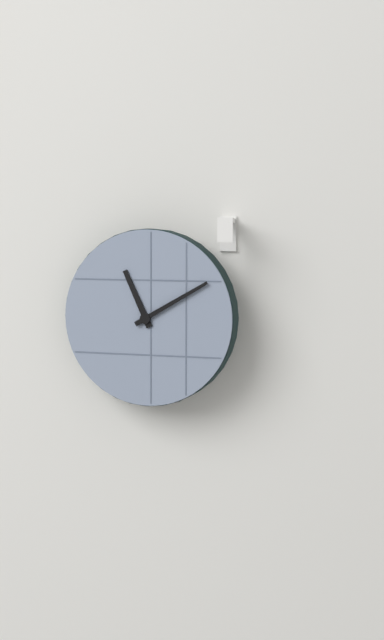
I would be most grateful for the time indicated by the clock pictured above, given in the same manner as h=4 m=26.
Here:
h=11 m=10
